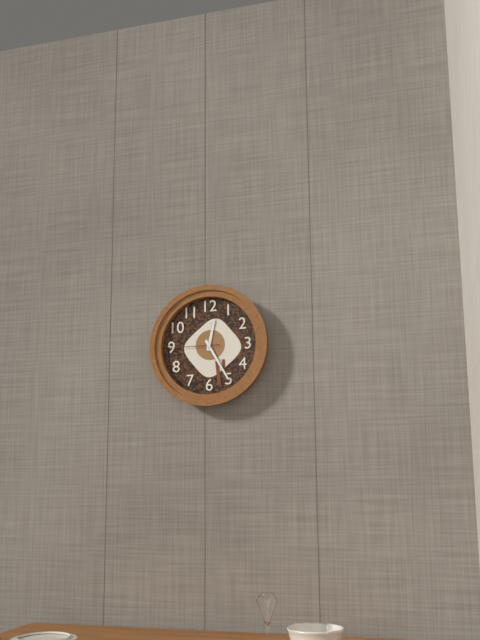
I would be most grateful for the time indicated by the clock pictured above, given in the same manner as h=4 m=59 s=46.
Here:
h=12 m=25 s=45
